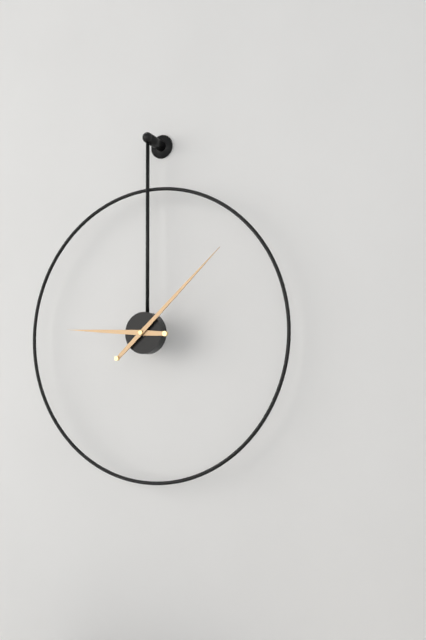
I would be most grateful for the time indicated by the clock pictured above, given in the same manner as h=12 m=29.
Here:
h=9 m=8
